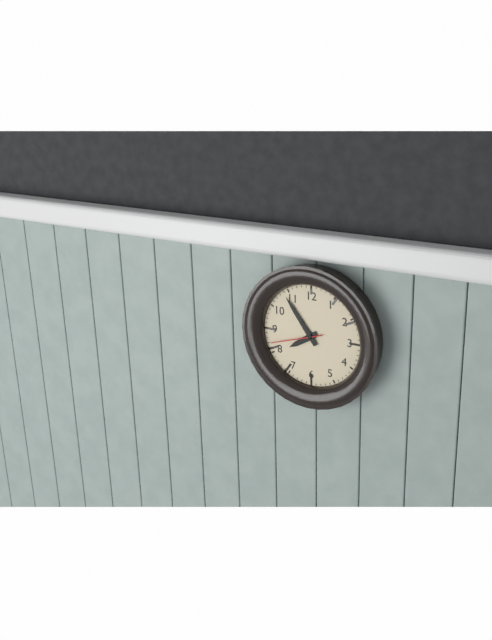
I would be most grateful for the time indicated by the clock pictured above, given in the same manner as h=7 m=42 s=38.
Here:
h=7 m=54 s=42
